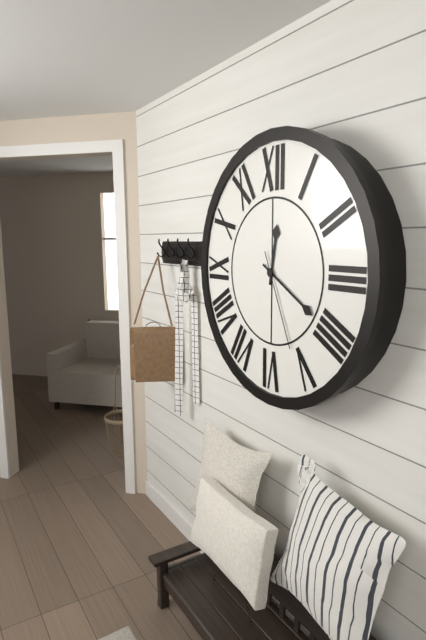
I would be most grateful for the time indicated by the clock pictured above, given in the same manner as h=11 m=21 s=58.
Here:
h=12 m=20 s=26
